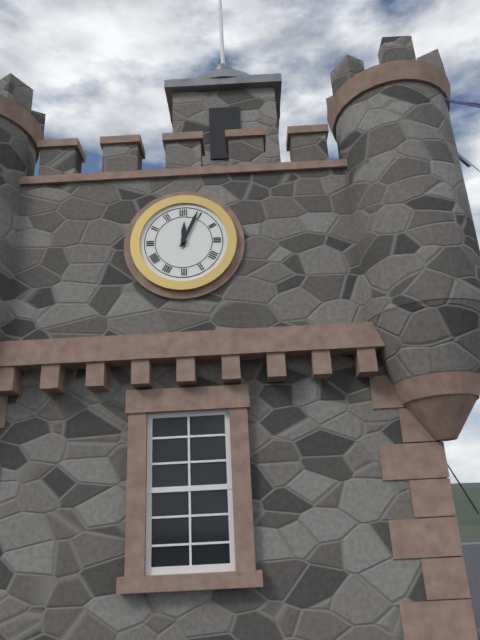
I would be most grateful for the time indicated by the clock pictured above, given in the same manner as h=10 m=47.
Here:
h=12 m=4
